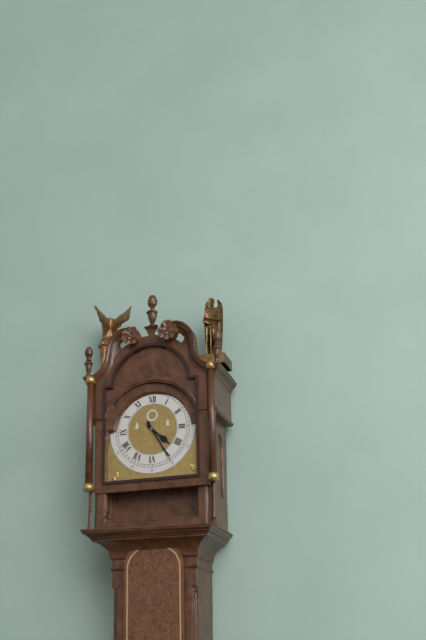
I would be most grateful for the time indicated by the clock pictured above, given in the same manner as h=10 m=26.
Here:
h=4 m=25
